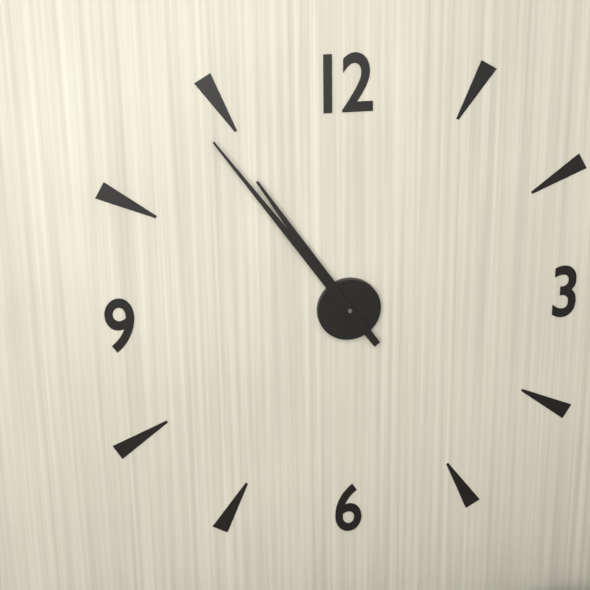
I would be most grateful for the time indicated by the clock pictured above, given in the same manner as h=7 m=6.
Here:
h=10 m=54
